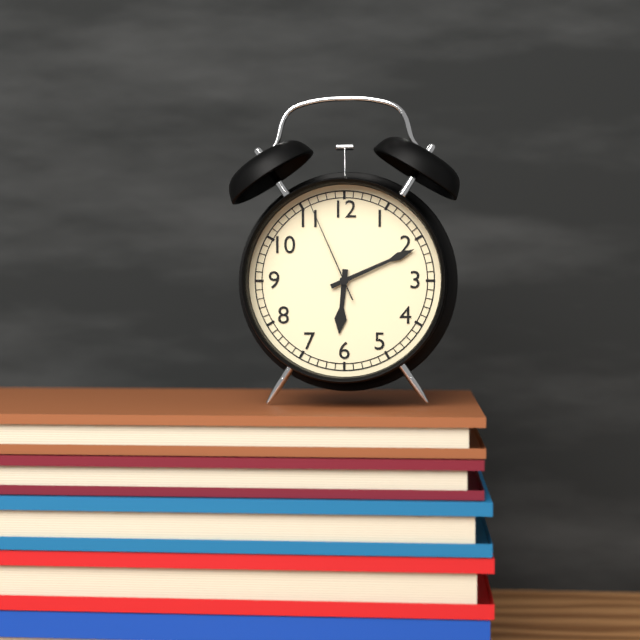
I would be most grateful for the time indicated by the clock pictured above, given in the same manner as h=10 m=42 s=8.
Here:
h=6 m=11 s=56
